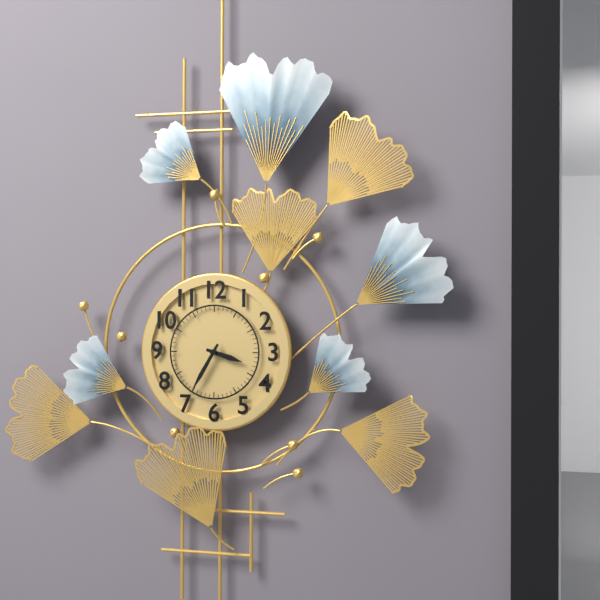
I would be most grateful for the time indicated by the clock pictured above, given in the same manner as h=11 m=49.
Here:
h=3 m=35
